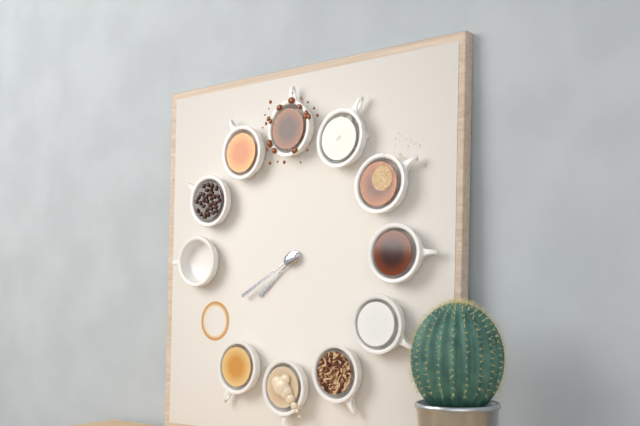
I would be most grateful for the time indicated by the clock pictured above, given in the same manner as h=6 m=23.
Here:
h=7 m=40
